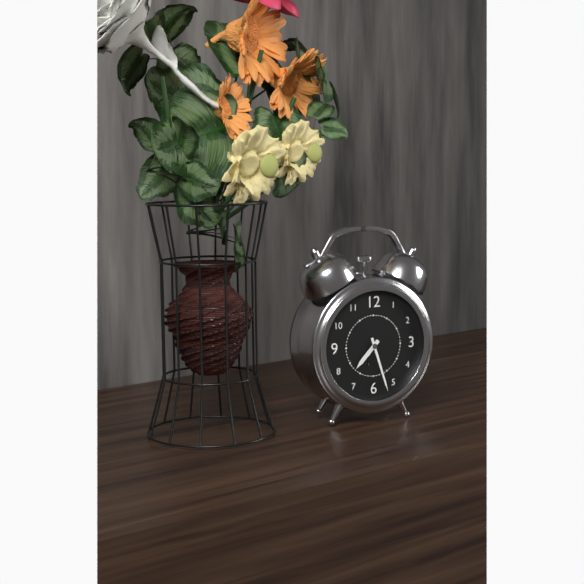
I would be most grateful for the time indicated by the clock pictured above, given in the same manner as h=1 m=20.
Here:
h=7 m=27
